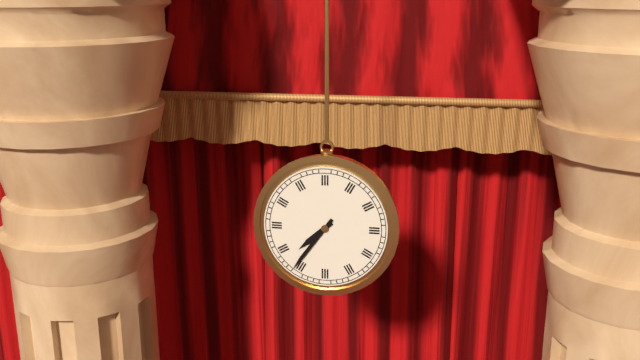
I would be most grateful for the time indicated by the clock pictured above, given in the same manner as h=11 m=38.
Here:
h=7 m=36
